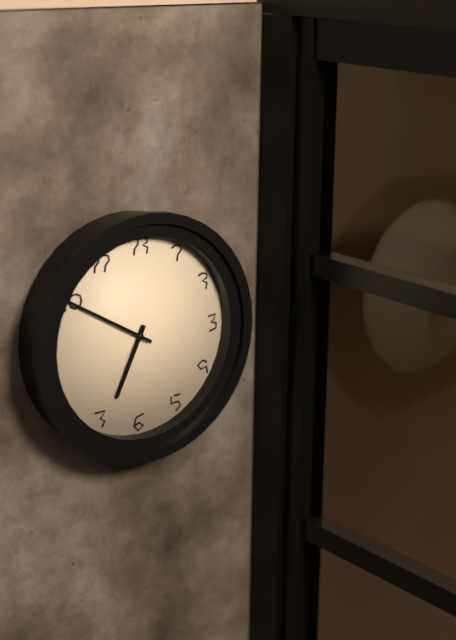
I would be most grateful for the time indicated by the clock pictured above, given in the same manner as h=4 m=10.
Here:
h=6 m=50
